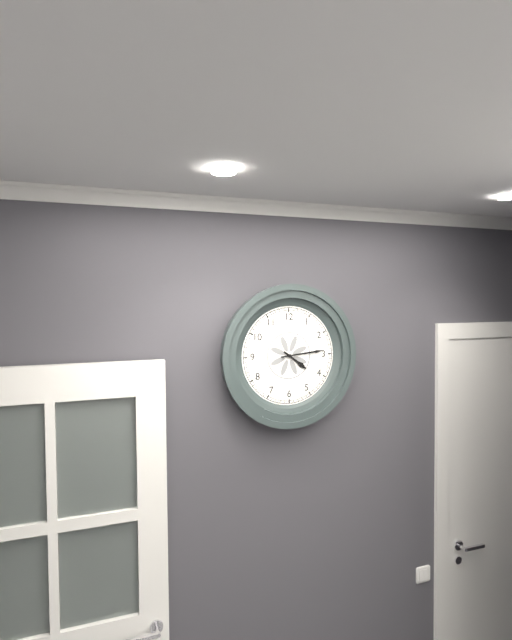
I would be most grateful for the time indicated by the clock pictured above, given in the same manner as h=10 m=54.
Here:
h=4 m=14
